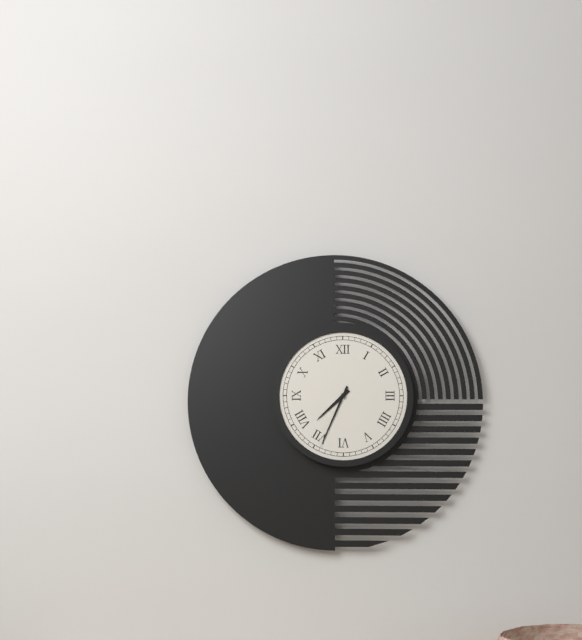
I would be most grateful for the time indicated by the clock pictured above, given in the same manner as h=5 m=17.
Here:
h=7 m=34
